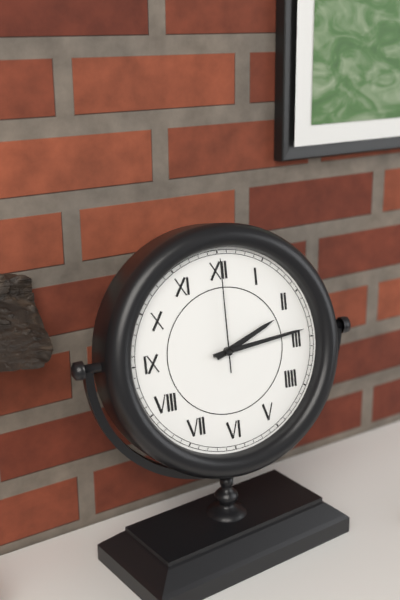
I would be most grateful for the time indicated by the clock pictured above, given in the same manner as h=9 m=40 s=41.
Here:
h=2 m=14 s=0
